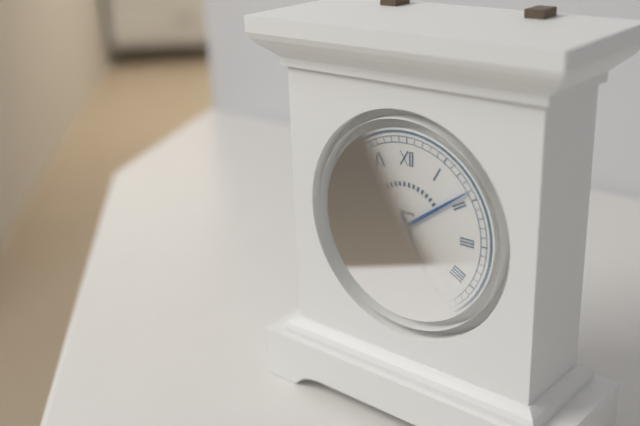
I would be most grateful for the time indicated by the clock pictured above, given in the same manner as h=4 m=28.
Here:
h=5 m=9
